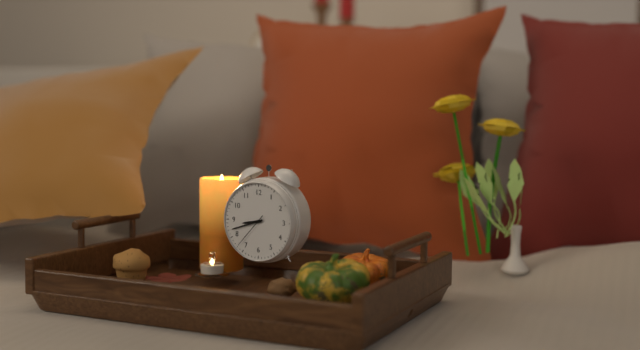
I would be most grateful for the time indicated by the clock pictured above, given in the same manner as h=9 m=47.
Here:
h=8 m=42
